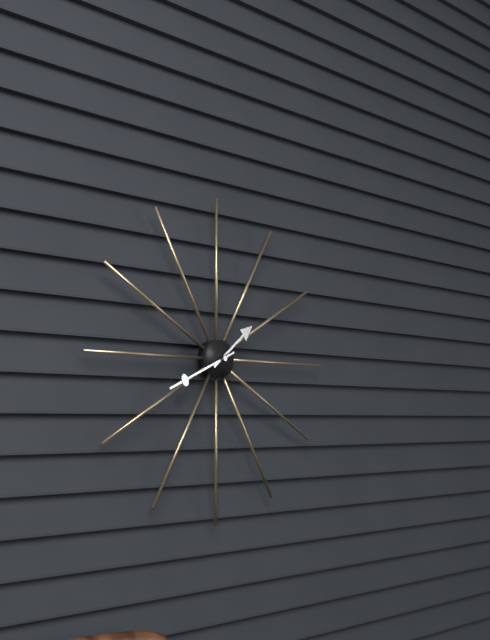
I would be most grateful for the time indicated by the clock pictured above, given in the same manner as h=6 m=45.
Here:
h=1 m=41
